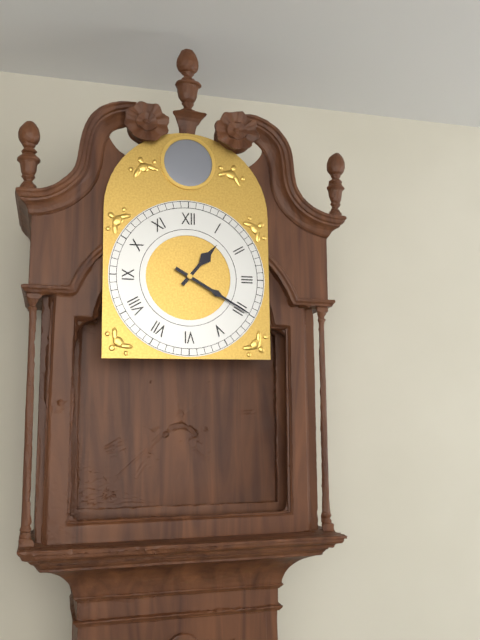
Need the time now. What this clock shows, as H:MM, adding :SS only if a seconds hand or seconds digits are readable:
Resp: 1:20
